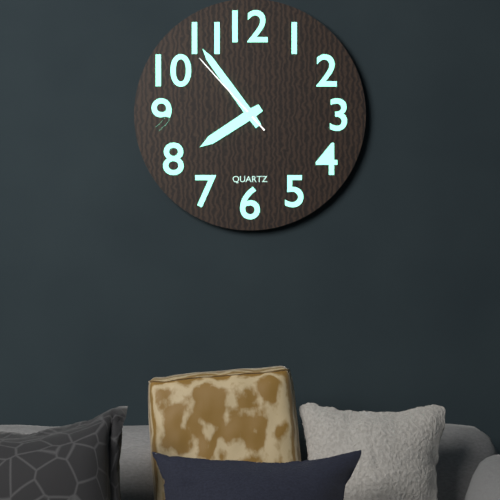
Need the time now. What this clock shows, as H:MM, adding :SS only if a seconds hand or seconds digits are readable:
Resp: 7:54:53
